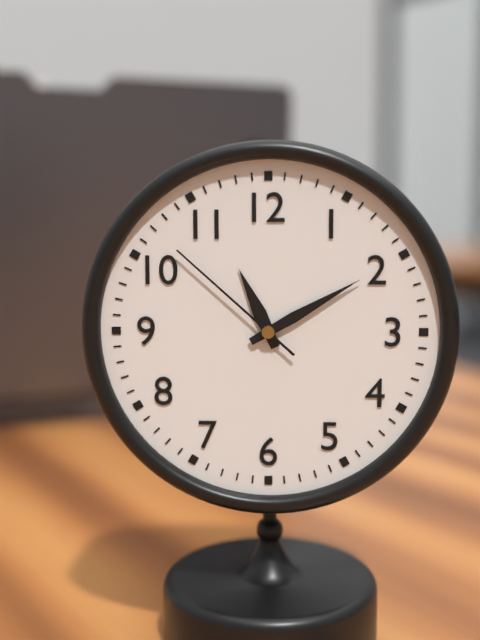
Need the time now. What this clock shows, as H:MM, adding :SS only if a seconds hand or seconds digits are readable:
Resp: 11:10:52
